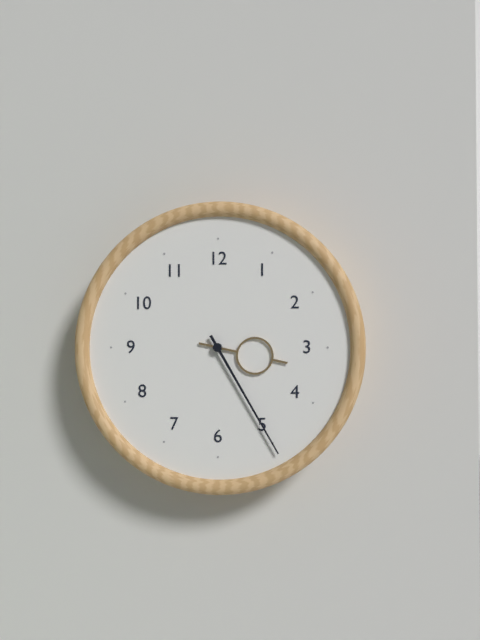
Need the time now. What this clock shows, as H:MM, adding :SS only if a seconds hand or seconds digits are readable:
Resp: 3:25
